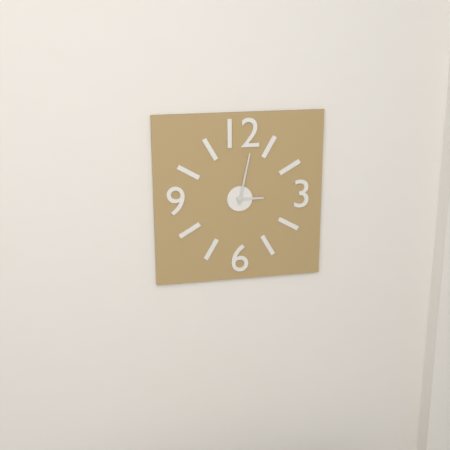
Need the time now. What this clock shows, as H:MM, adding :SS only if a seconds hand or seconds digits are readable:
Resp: 3:02
